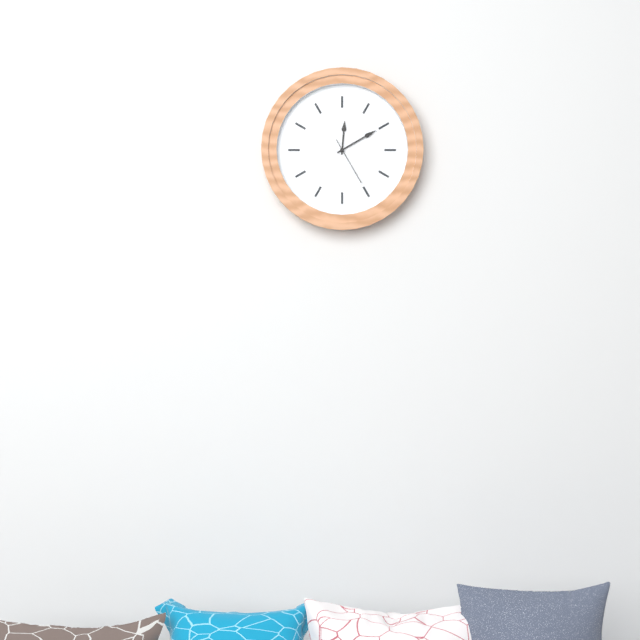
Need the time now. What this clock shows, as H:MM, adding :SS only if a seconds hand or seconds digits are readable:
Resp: 12:10
